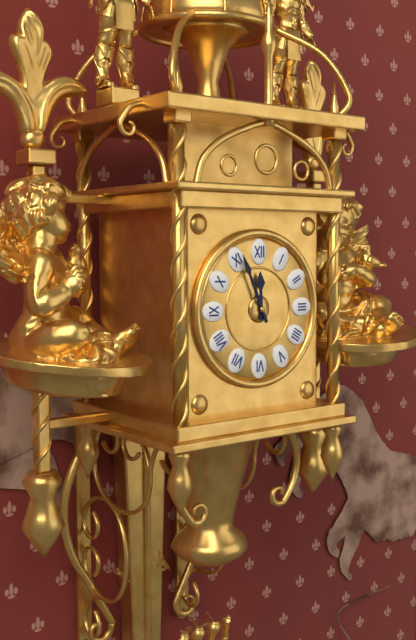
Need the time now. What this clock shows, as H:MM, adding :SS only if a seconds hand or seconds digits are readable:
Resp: 11:56
